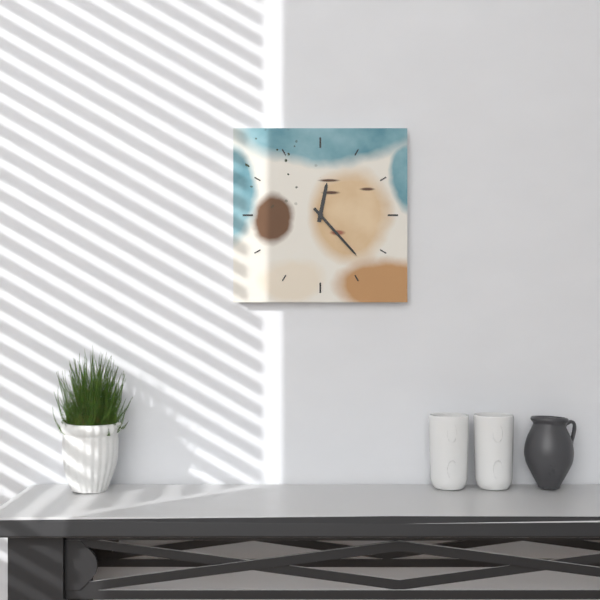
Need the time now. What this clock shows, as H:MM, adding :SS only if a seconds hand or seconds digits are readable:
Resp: 12:23
